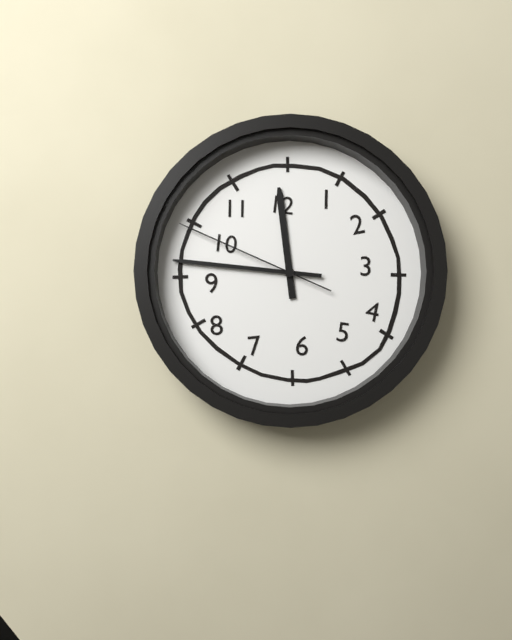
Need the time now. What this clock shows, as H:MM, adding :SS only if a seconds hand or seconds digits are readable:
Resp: 11:46:49
